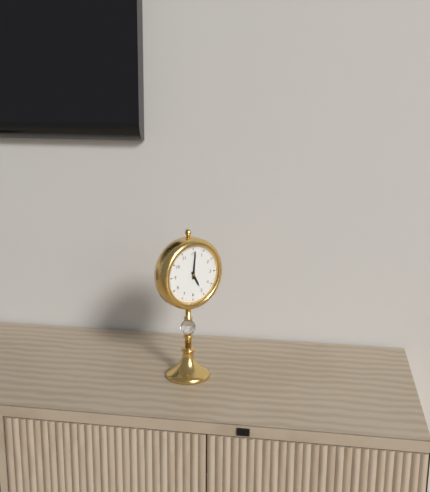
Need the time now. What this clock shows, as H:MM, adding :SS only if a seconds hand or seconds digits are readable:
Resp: 5:01
